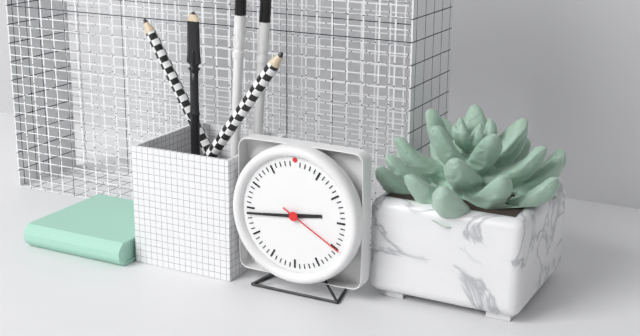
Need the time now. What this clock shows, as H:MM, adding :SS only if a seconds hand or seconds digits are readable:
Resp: 2:44:20
